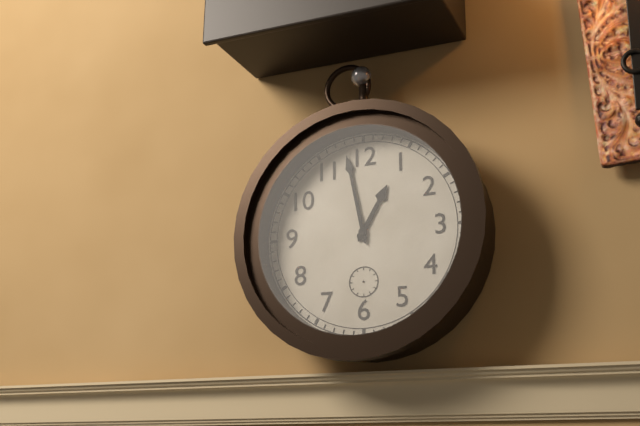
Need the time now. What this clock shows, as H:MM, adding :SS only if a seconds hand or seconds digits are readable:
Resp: 12:58
